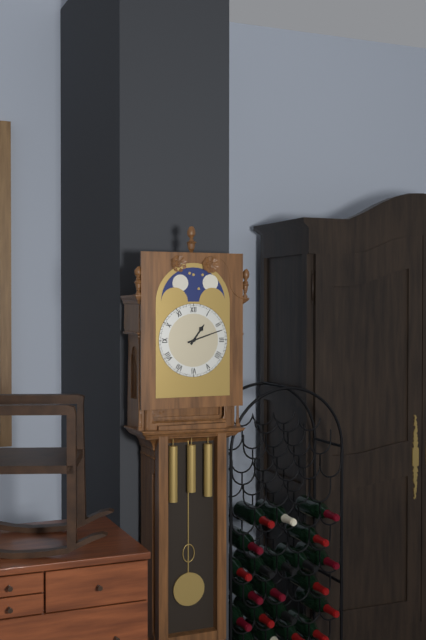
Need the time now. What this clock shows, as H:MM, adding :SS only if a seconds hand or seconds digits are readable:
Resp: 1:12
